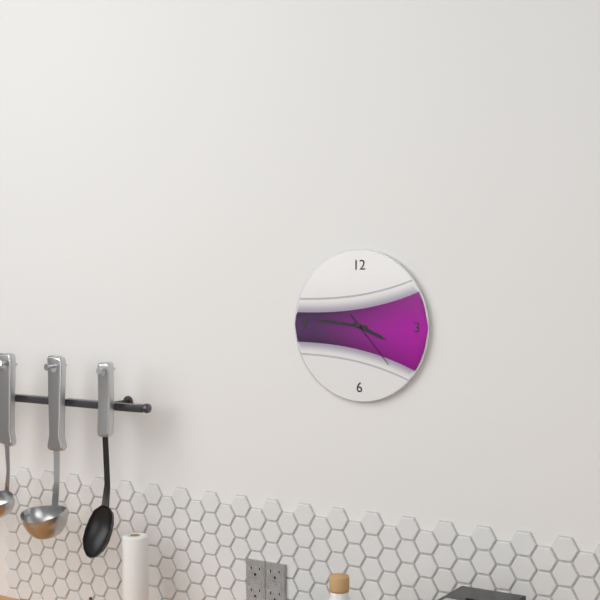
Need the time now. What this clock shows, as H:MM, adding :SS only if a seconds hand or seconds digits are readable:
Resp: 3:46:23
